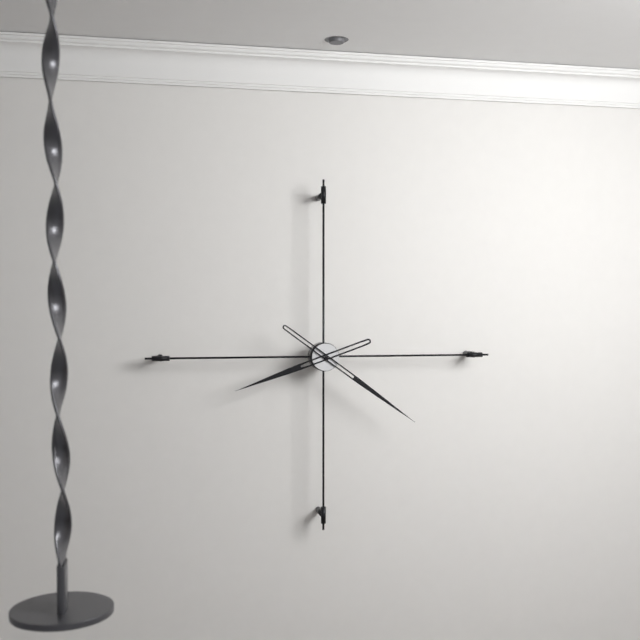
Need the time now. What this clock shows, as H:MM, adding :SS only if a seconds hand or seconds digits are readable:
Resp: 8:21
